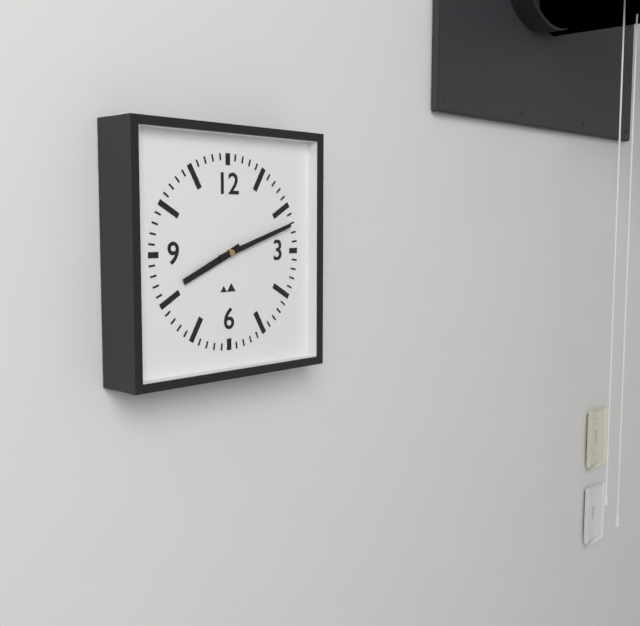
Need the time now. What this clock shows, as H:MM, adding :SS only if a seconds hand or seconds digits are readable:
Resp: 8:12
